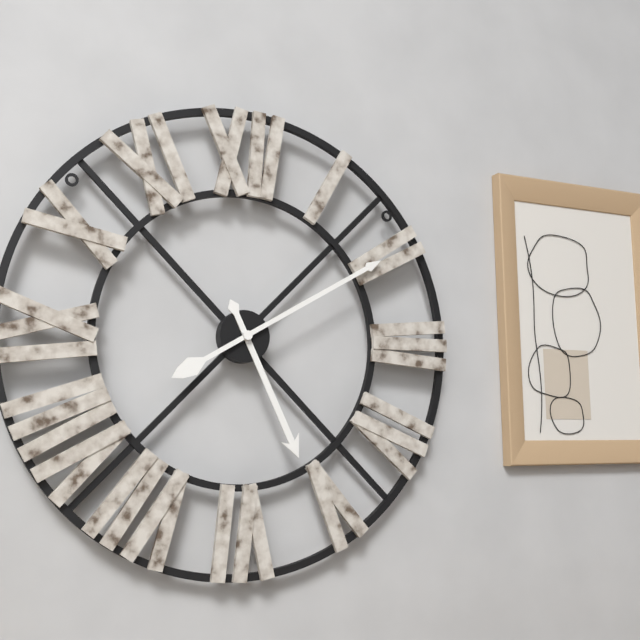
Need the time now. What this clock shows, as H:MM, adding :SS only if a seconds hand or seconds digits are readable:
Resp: 5:10
